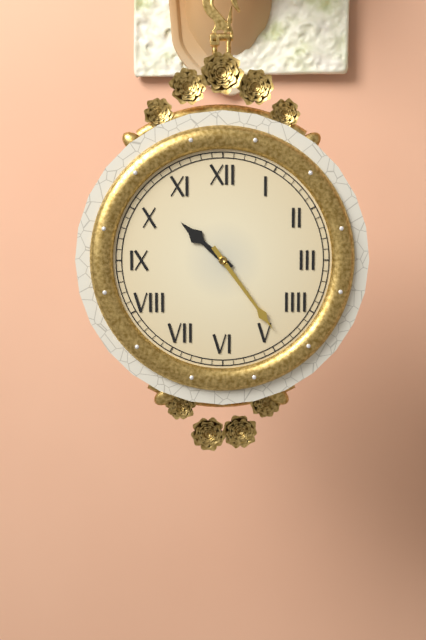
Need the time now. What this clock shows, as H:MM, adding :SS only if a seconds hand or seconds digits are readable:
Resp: 10:24
